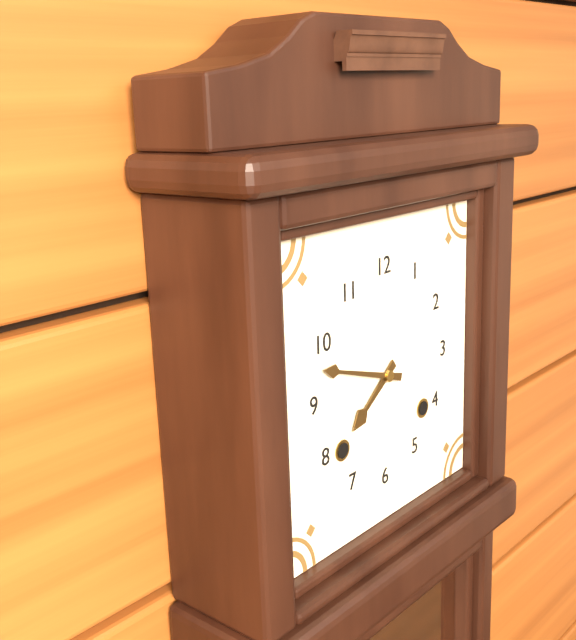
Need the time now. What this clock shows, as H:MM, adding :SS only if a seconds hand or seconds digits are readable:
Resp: 7:48
